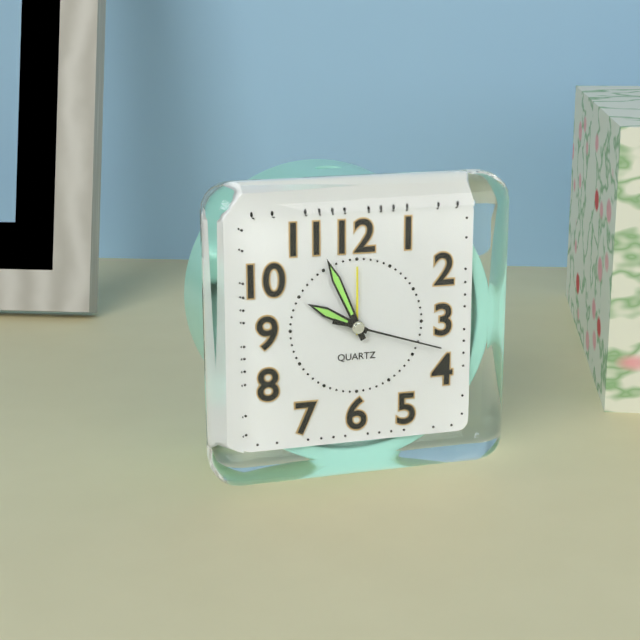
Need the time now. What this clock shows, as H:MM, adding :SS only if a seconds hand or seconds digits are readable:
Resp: 9:56:18
